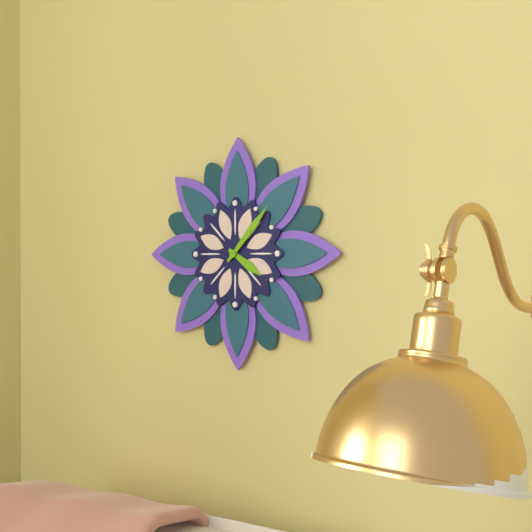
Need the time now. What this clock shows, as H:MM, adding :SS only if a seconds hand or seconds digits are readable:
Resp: 4:07
